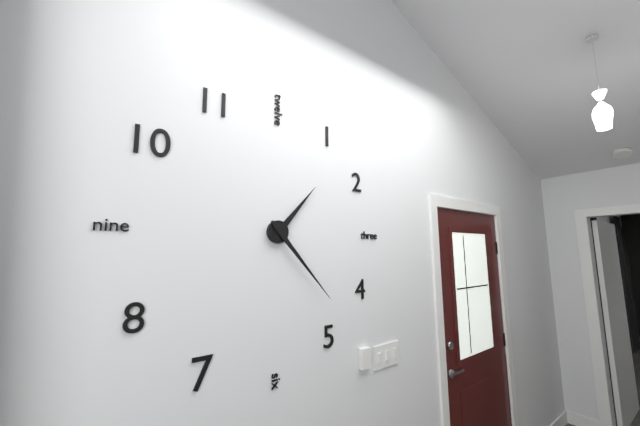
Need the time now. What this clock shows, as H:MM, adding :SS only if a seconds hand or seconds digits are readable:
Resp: 1:23
